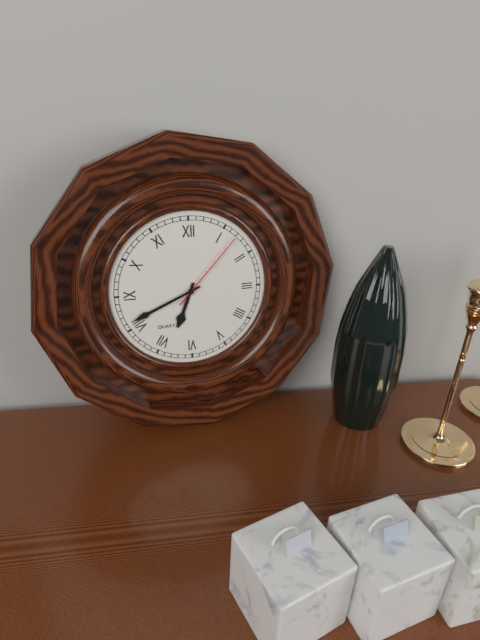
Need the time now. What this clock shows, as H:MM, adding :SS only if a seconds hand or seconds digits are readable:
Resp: 6:41:07
